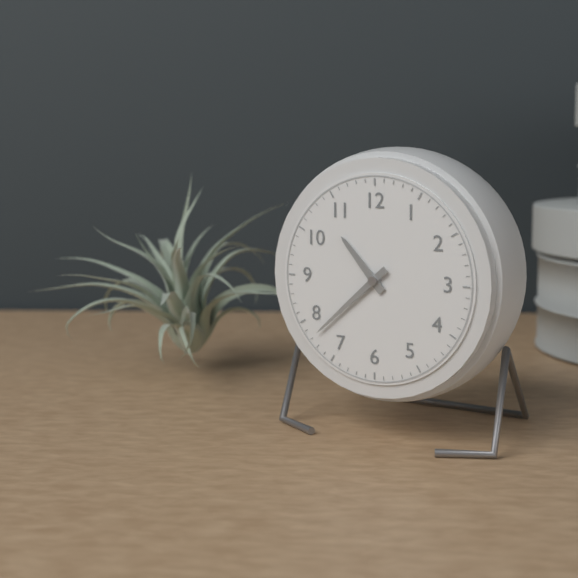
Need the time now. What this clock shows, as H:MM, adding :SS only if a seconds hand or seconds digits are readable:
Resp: 10:38
